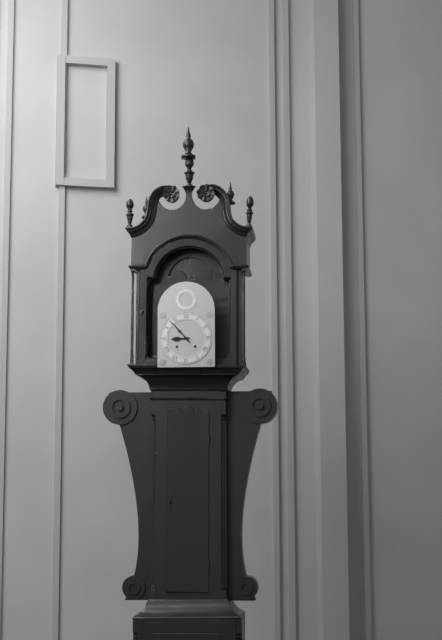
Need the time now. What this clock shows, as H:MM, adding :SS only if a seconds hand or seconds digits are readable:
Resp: 8:53
